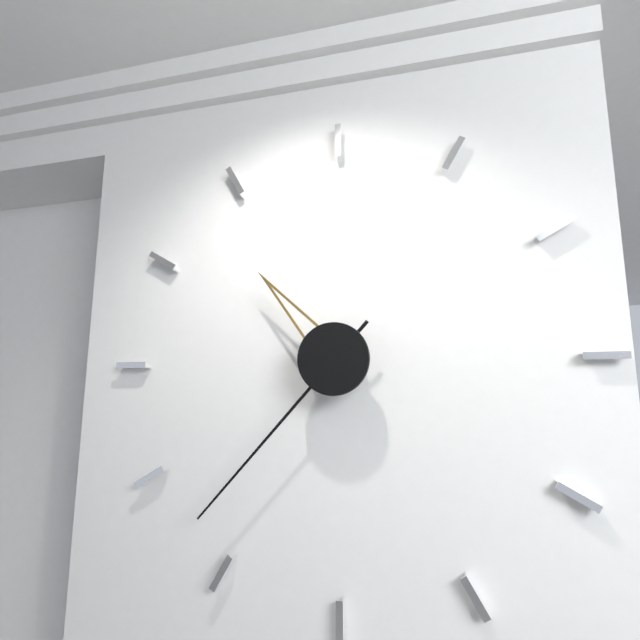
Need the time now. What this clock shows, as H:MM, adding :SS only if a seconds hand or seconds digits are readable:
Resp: 10:37
